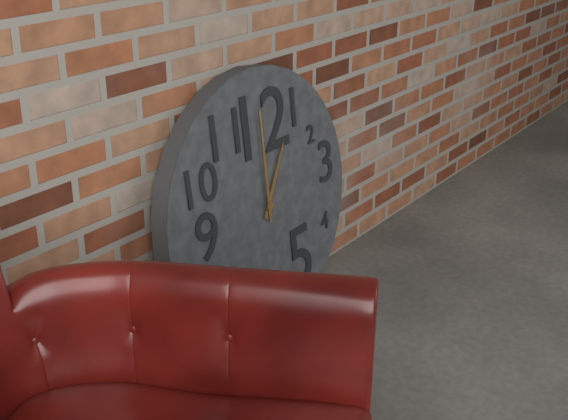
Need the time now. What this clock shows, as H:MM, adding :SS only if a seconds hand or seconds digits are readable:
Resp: 1:00
